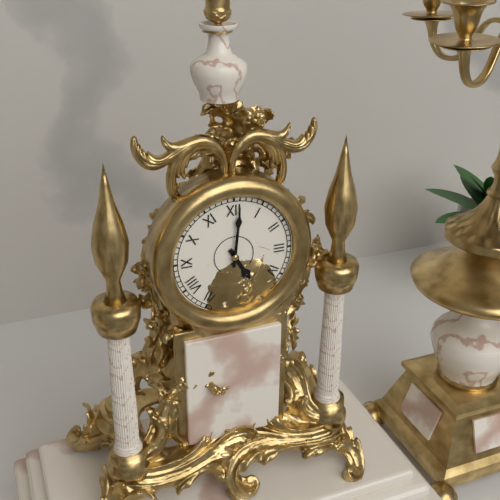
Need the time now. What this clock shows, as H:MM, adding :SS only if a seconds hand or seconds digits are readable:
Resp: 5:01
